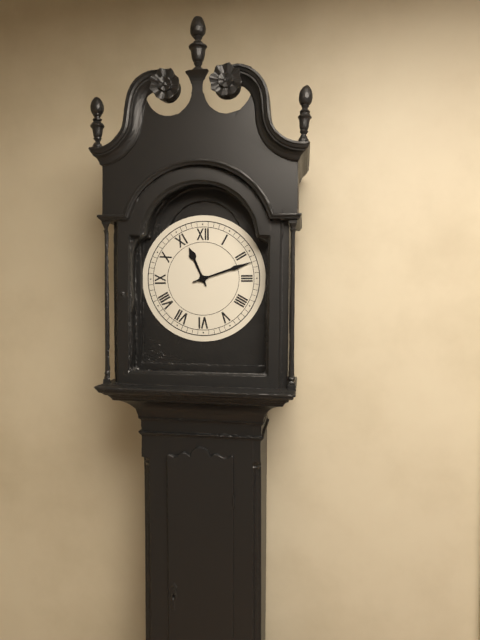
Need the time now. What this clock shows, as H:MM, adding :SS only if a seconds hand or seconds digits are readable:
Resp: 11:12
